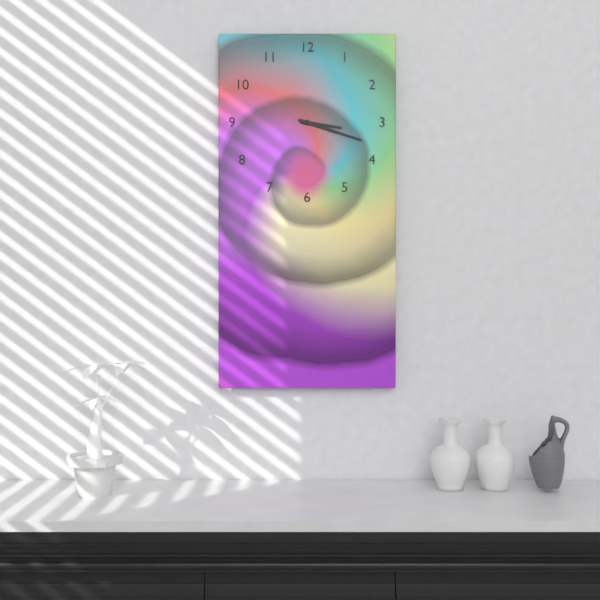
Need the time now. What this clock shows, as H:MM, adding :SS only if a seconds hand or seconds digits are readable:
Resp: 3:18
